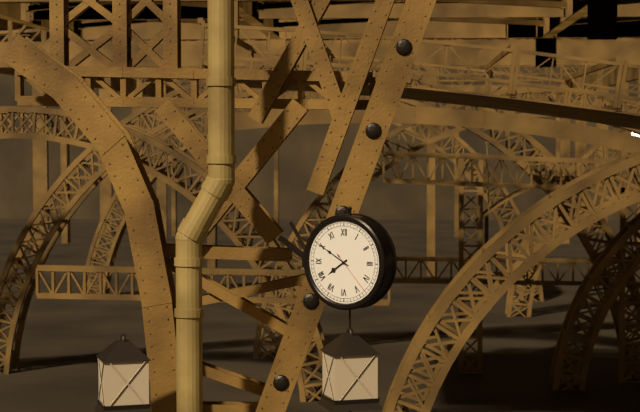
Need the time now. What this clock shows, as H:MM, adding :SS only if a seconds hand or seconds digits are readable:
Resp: 7:50
